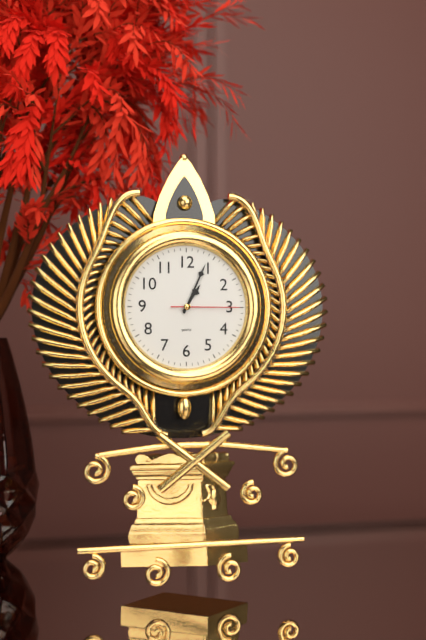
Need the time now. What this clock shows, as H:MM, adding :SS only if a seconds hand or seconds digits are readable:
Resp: 1:04:15
